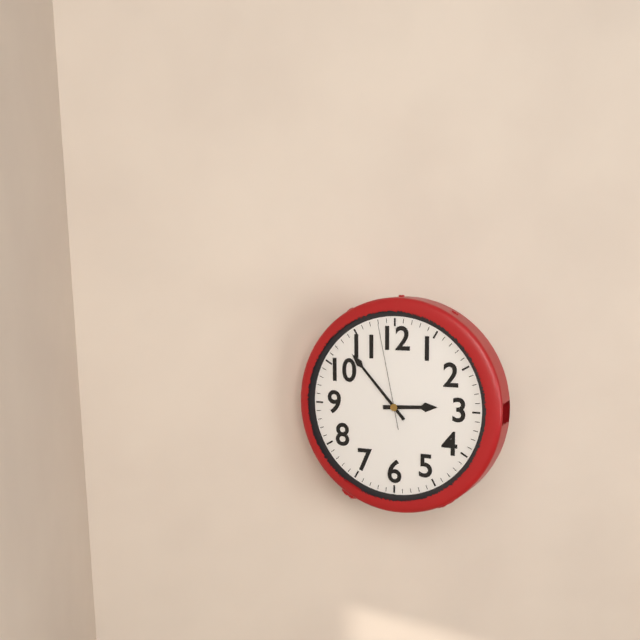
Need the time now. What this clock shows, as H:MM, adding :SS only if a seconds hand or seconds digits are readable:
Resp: 2:53:58
